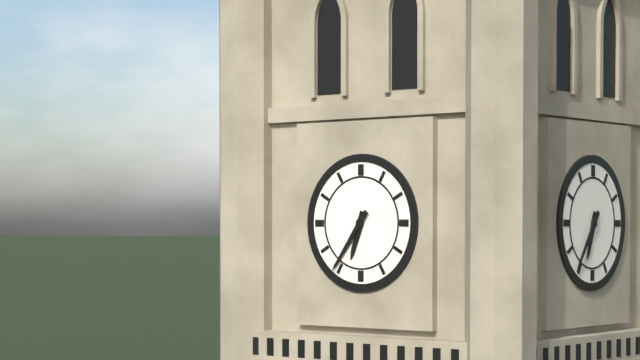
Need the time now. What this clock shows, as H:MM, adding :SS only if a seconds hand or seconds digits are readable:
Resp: 6:36
